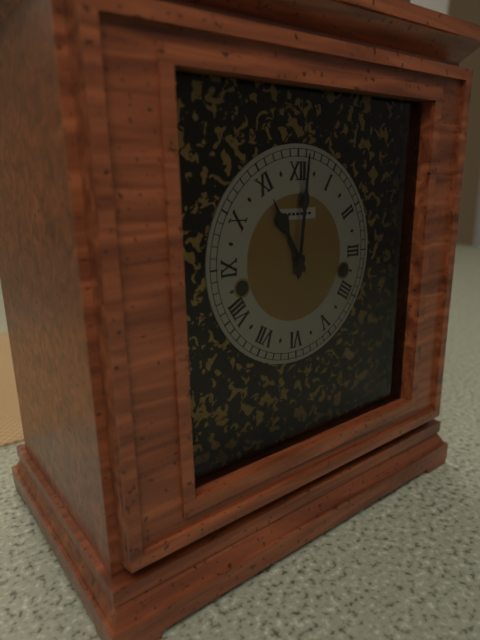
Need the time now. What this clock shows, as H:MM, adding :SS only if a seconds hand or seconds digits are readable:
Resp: 11:01
